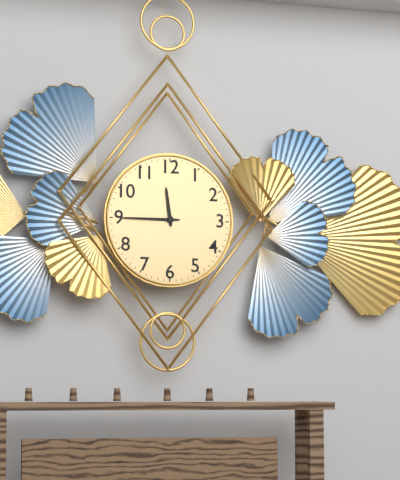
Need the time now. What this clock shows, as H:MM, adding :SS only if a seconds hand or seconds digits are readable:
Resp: 11:45
